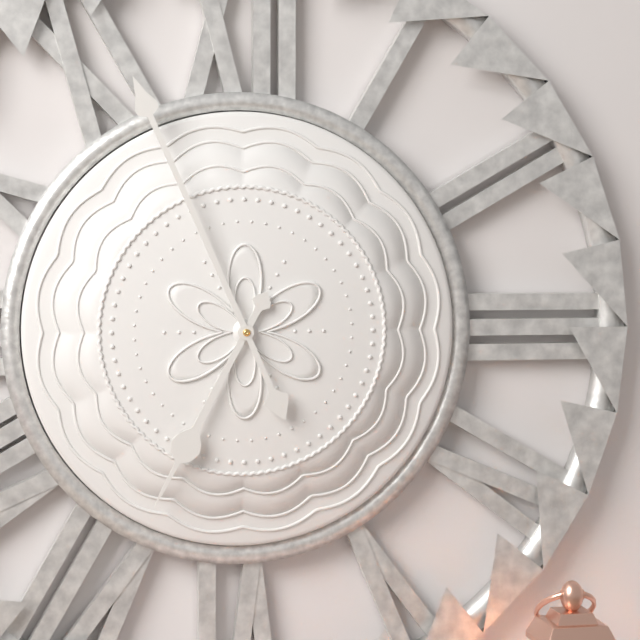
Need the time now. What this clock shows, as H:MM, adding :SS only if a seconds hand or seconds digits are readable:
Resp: 6:56
